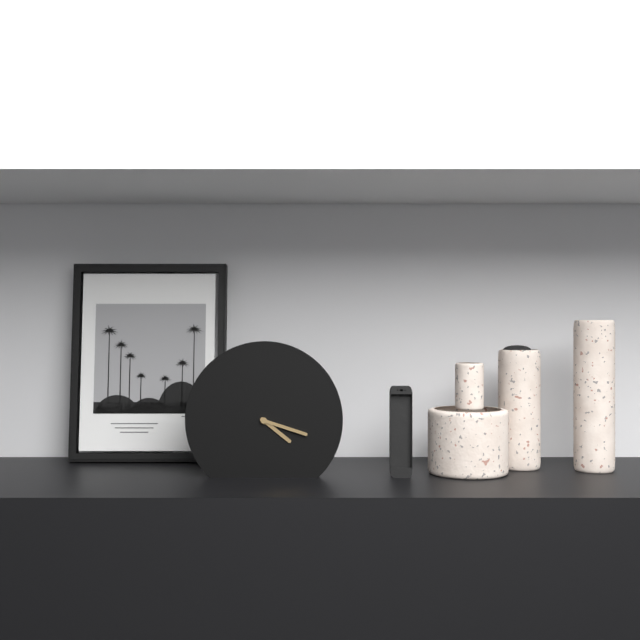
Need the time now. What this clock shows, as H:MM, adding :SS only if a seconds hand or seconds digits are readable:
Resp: 4:18
